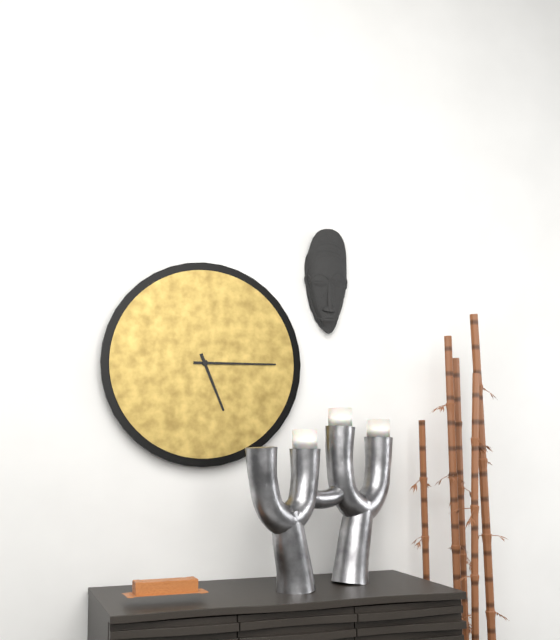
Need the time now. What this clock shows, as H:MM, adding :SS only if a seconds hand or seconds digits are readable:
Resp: 5:15
